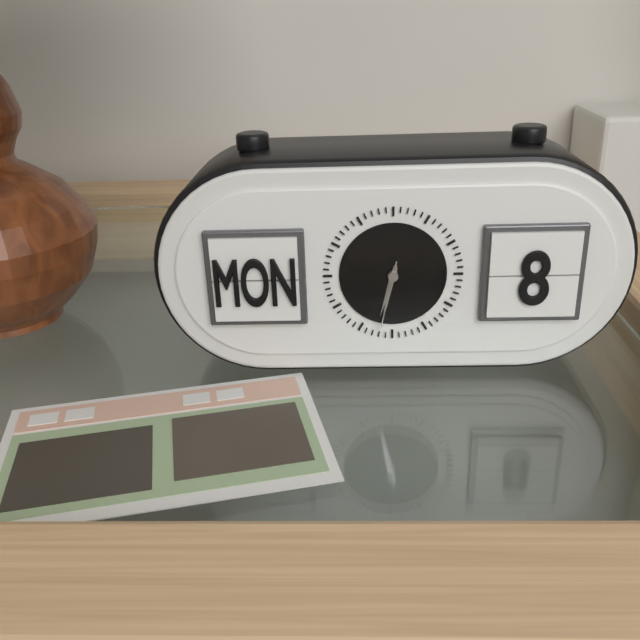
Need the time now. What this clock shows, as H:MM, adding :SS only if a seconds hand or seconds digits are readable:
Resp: 6:32:32
